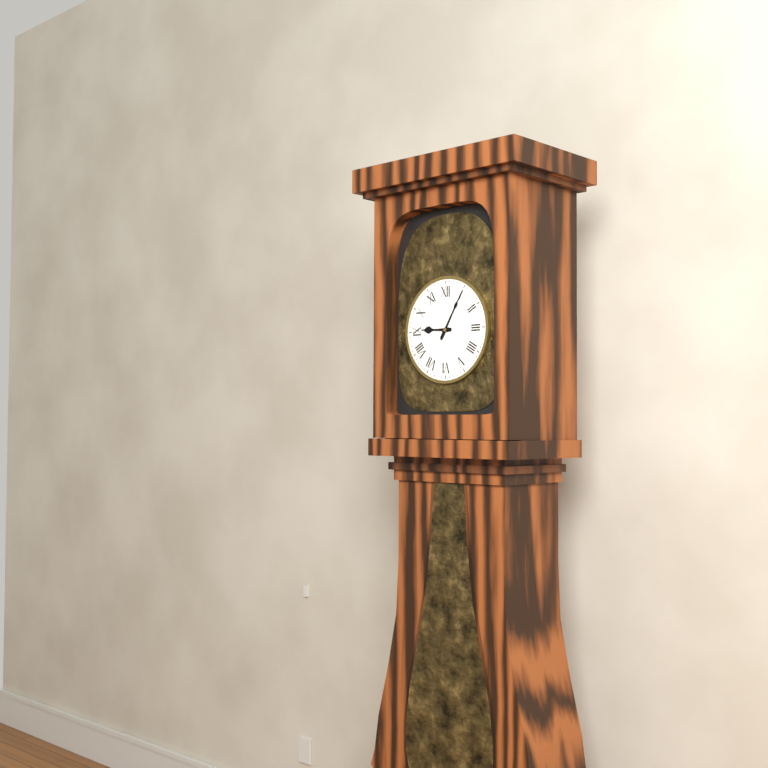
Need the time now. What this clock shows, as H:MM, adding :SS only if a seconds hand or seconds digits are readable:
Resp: 9:05
